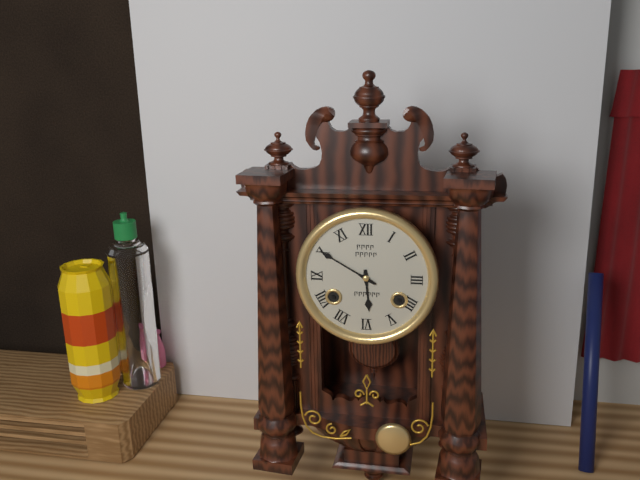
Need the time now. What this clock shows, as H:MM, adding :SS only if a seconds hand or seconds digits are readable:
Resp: 5:50
